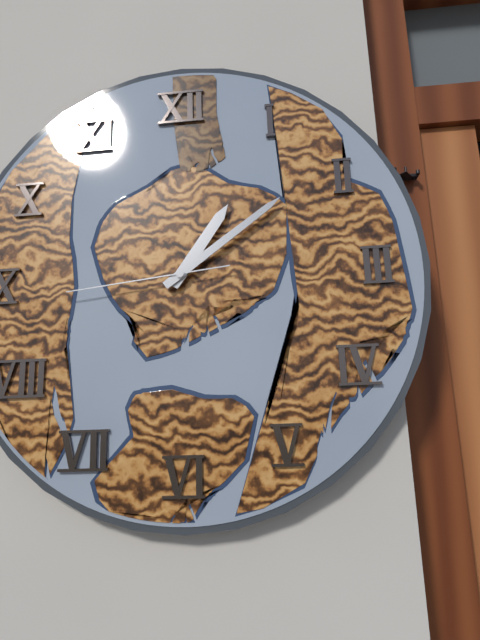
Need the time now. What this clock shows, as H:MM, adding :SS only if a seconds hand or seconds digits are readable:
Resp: 1:09:44
